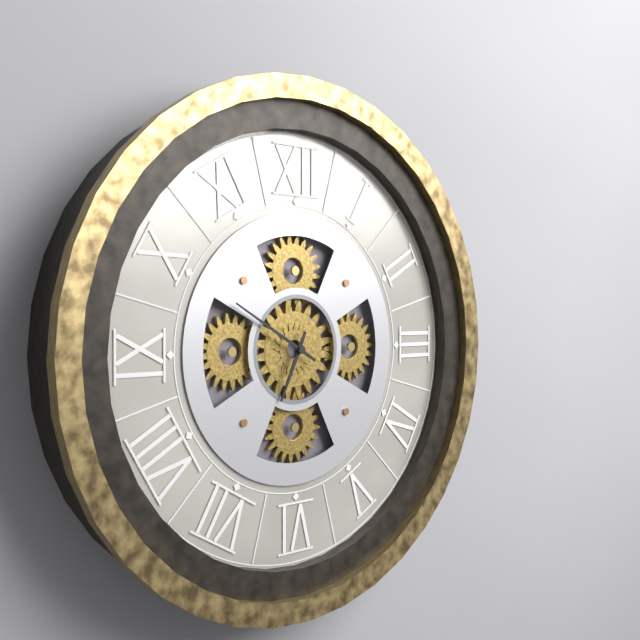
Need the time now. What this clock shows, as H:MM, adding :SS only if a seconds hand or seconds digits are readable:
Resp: 6:50
